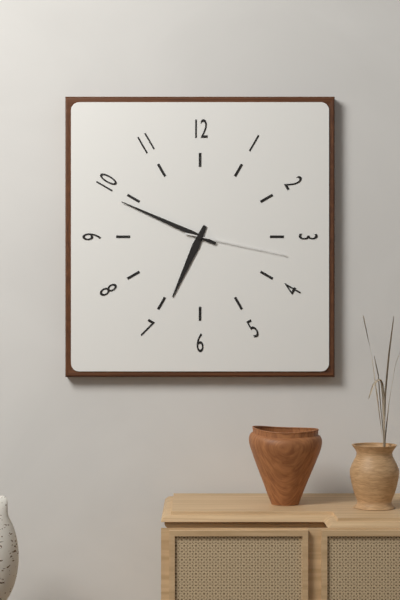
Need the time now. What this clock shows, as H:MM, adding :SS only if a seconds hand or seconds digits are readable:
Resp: 6:49:17
